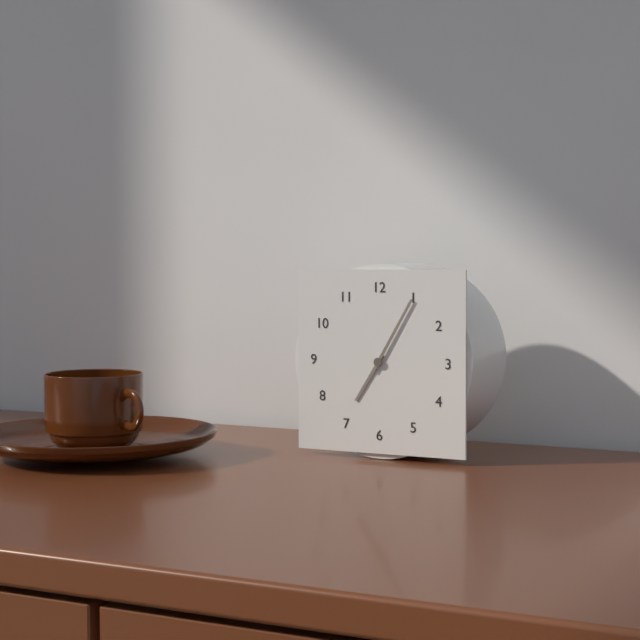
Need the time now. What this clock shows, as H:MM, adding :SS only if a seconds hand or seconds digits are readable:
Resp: 7:05
